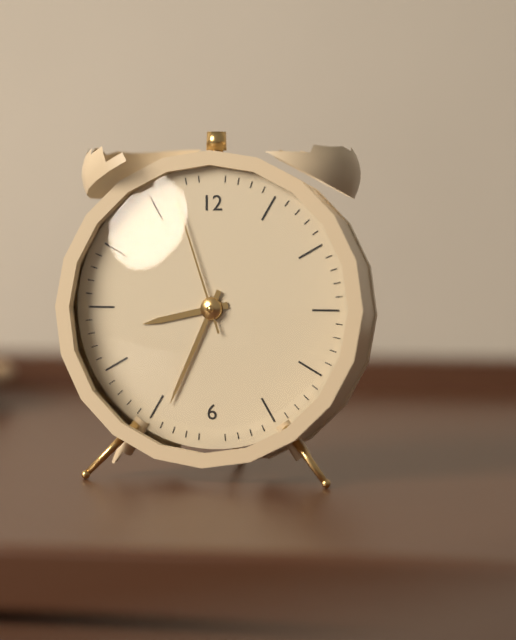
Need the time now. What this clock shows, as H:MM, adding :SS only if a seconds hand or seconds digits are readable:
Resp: 8:34:57
